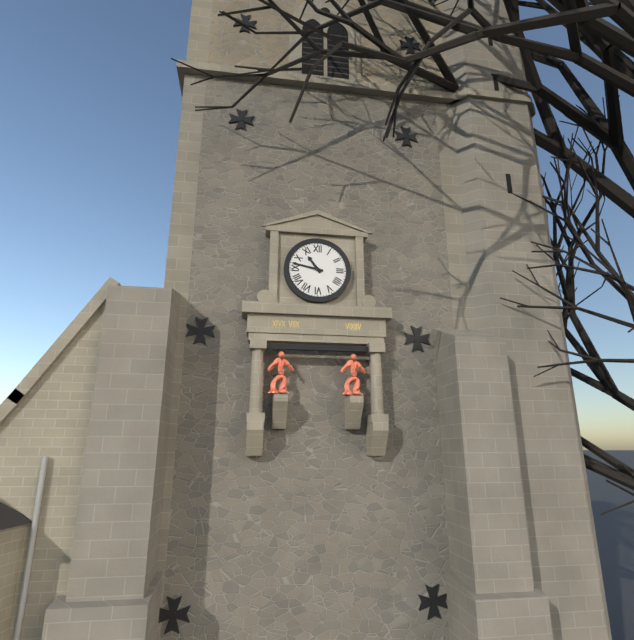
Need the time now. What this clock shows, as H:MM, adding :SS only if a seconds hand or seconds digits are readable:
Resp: 10:47
